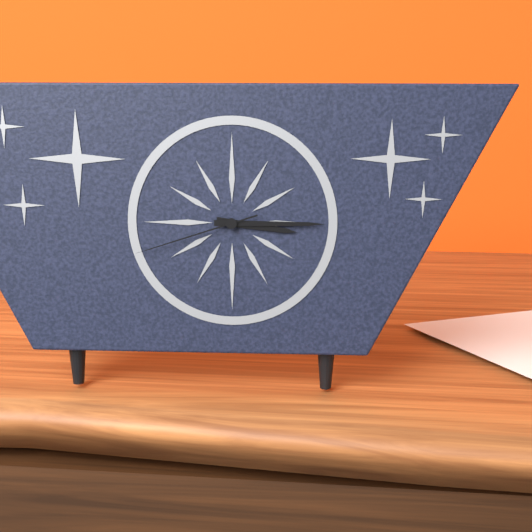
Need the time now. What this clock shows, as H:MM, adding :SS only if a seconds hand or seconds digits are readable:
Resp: 3:15:42
